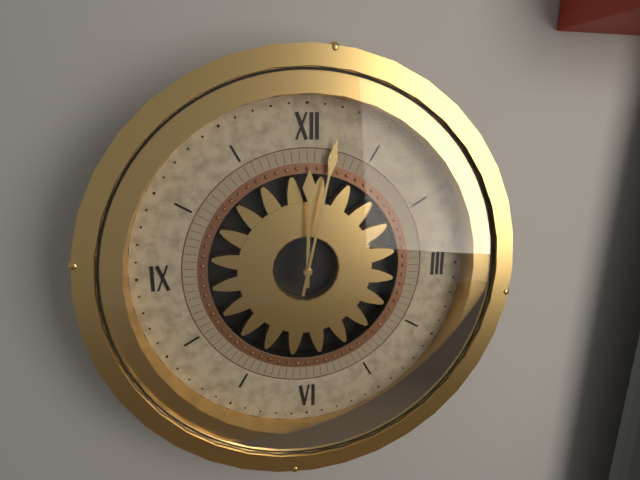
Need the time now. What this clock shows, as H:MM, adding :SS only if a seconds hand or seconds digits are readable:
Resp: 12:02
